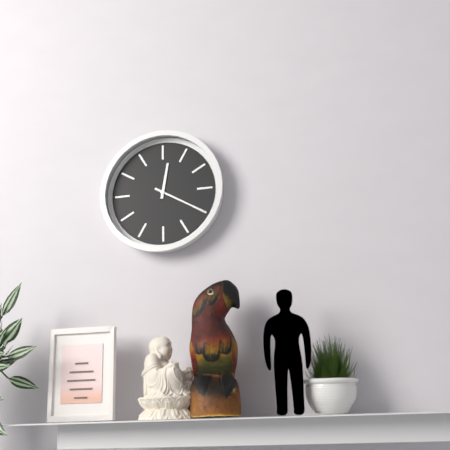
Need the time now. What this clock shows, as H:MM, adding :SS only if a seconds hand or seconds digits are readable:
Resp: 12:20
